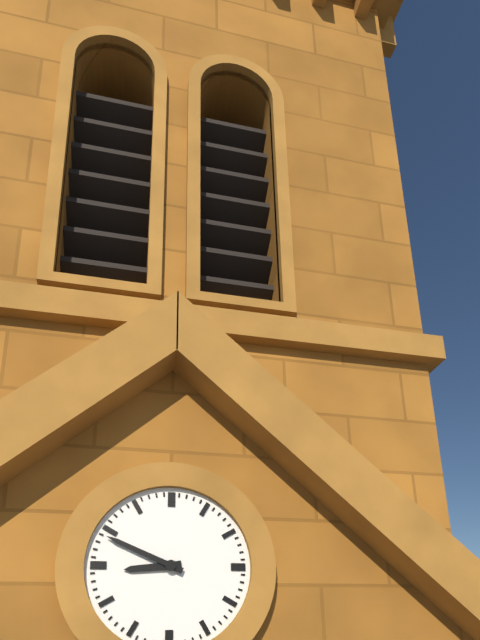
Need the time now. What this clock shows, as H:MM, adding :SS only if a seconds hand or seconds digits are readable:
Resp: 8:49
